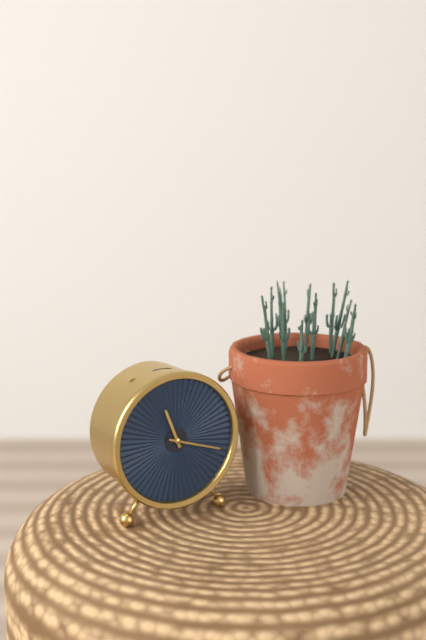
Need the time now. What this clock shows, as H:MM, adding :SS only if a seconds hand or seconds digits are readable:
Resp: 11:18
